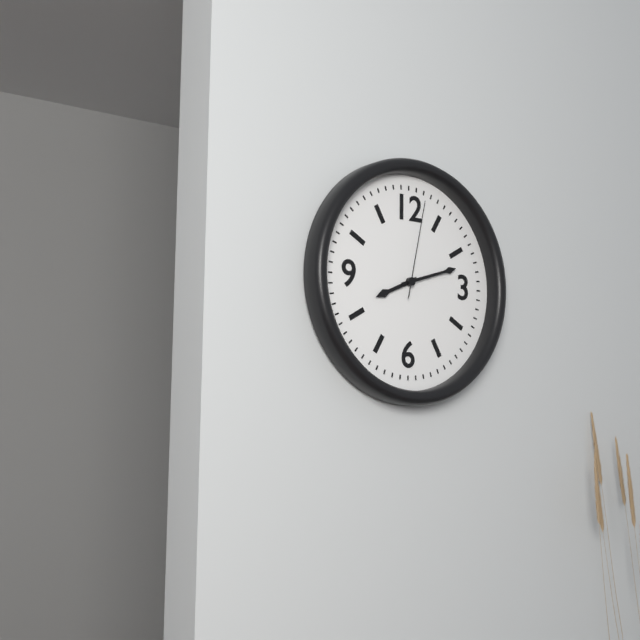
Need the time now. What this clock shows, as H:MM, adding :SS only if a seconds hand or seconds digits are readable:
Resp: 8:12:02
